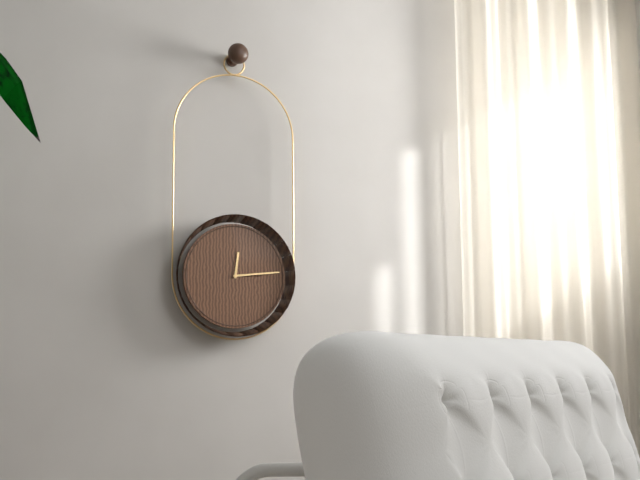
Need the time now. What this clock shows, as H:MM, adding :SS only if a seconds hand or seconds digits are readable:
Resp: 12:14
